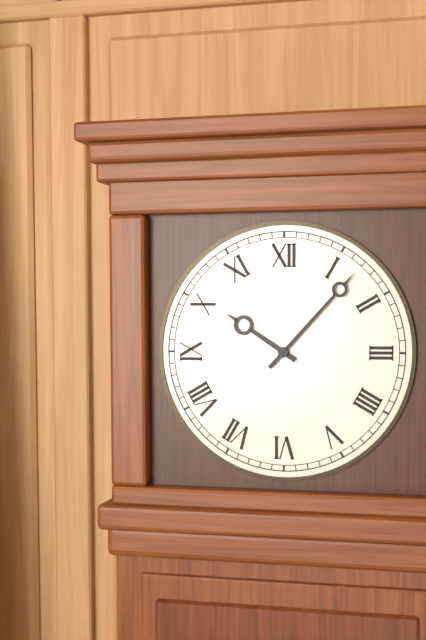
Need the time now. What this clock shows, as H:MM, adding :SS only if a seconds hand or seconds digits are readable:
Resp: 10:07
